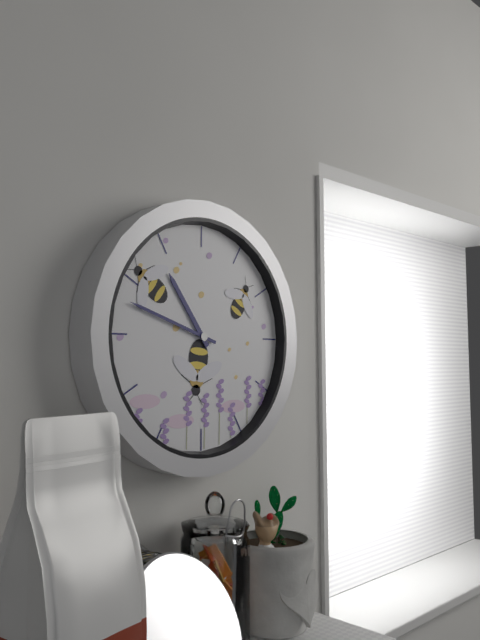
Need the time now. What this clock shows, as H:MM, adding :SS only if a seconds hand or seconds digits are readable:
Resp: 10:48
